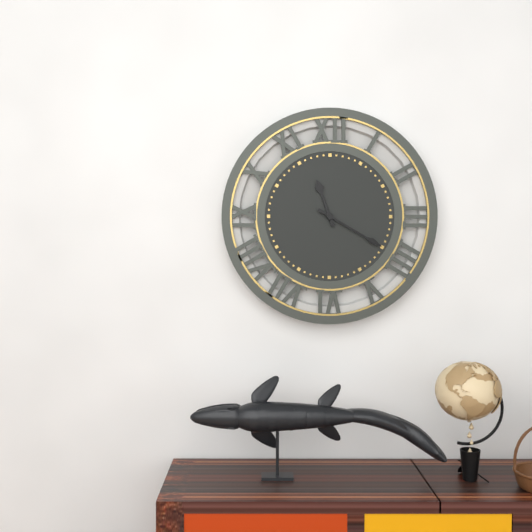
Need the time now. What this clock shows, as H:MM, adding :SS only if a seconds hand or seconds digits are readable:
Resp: 11:20
